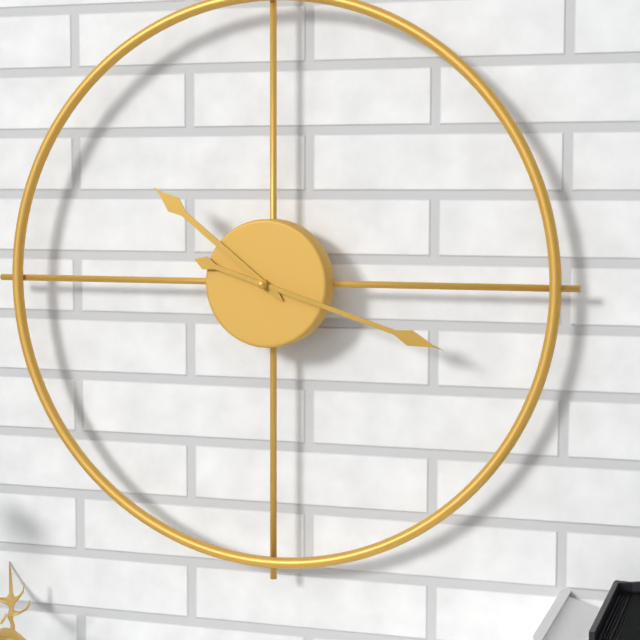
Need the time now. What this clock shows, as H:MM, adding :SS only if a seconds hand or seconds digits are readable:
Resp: 10:18
